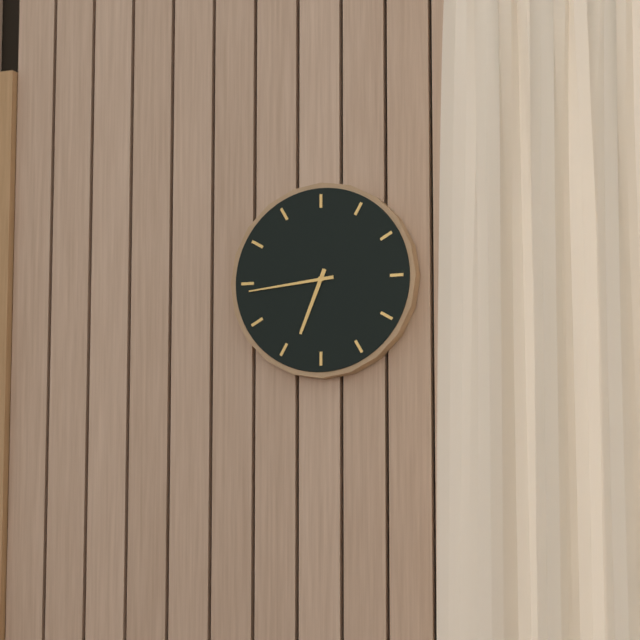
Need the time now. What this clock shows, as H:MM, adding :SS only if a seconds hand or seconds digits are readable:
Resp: 6:44
